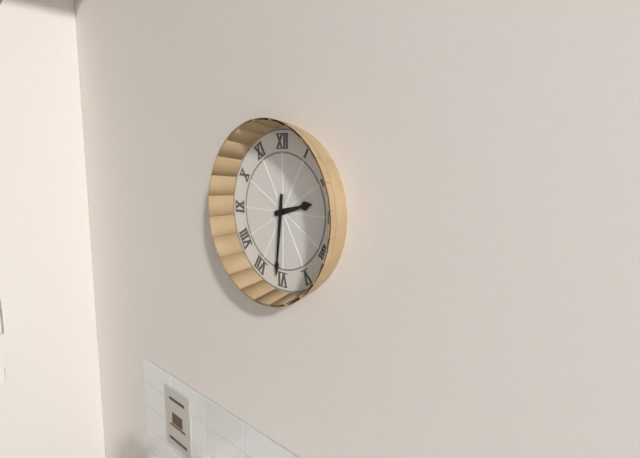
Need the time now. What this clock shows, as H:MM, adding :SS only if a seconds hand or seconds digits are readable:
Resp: 2:31
